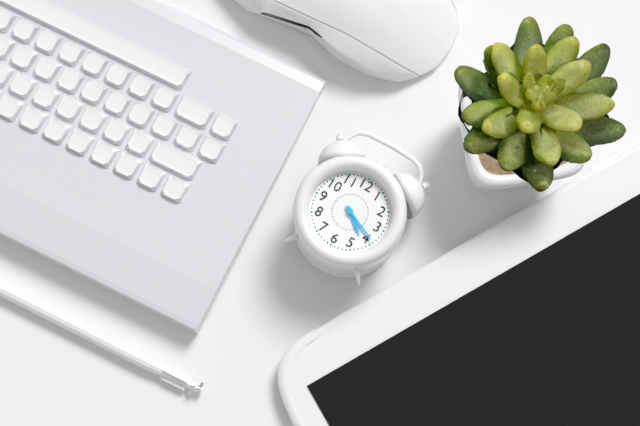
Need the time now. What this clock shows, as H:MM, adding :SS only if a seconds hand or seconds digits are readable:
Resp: 4:19
